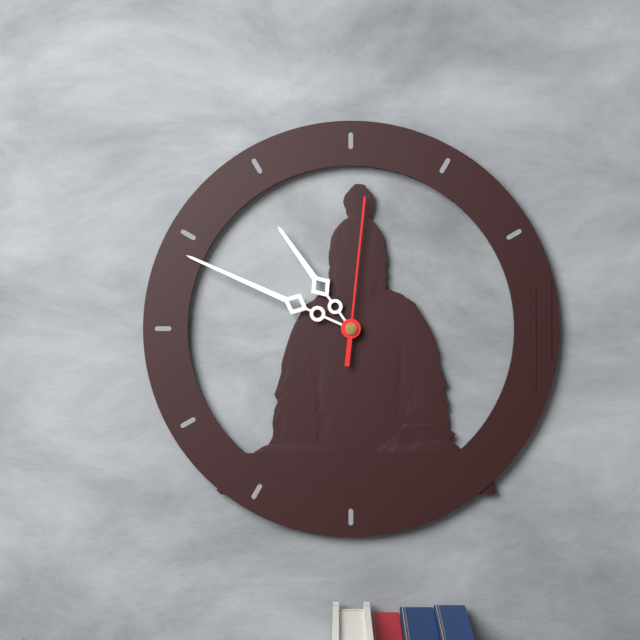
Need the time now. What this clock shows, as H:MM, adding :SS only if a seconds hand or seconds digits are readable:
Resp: 10:49:01
